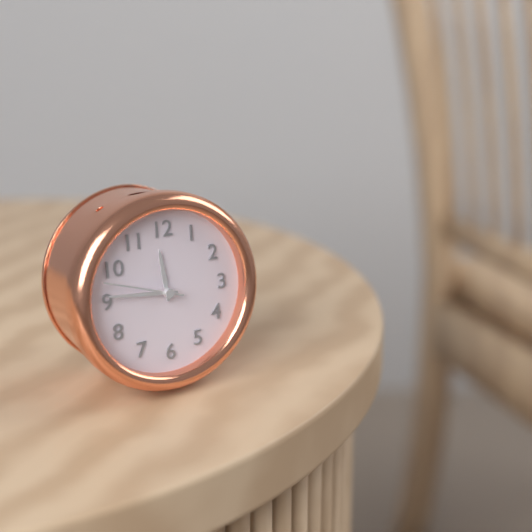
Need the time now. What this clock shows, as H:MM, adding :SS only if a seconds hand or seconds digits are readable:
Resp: 11:46:48
